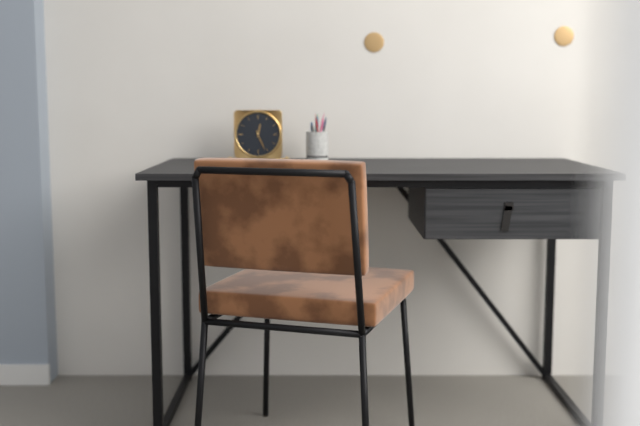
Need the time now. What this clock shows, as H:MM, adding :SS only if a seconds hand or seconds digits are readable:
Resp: 12:26
